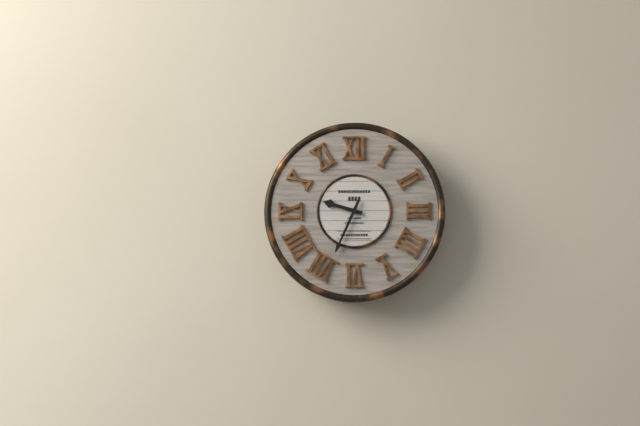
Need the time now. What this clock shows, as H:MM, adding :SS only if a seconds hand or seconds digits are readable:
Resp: 9:34
